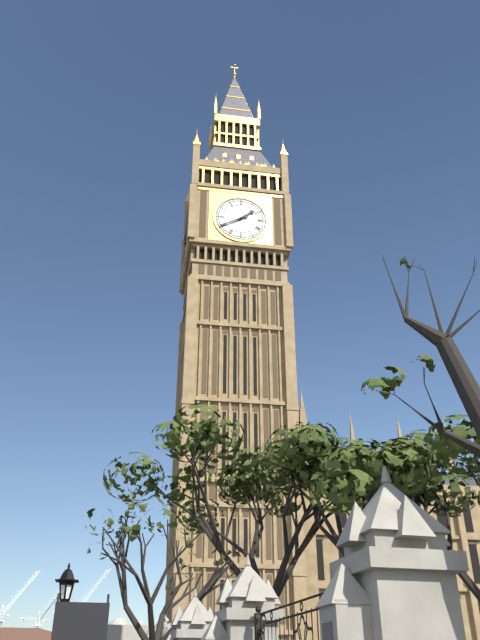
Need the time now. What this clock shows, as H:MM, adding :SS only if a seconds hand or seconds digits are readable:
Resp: 1:40
